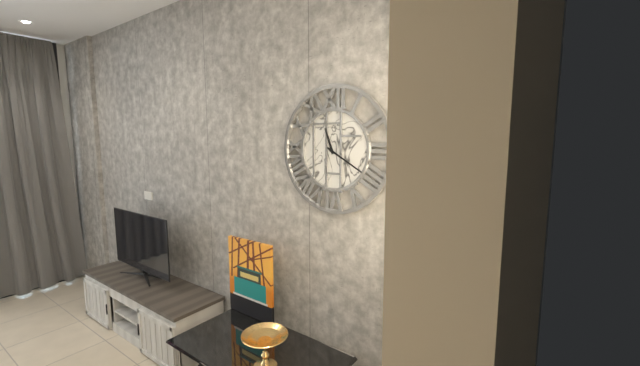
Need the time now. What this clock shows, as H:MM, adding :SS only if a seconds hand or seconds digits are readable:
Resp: 11:20
